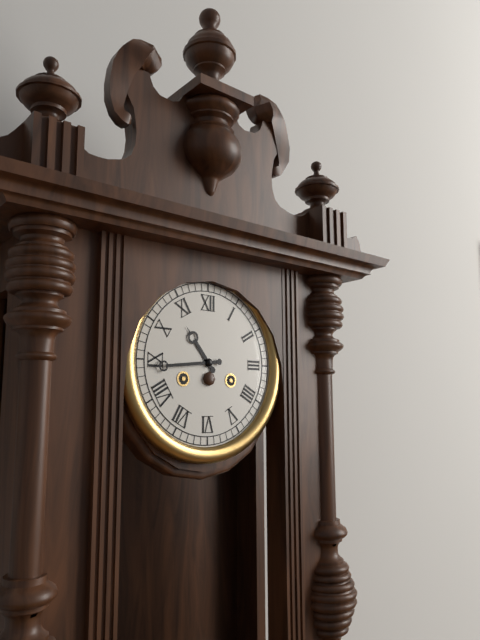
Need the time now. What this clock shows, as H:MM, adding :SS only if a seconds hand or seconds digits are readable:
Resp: 10:44
